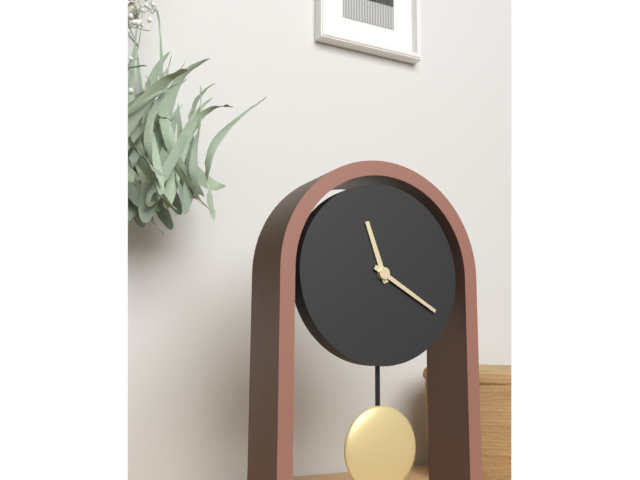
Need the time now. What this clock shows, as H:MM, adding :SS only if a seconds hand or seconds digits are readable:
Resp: 11:20
